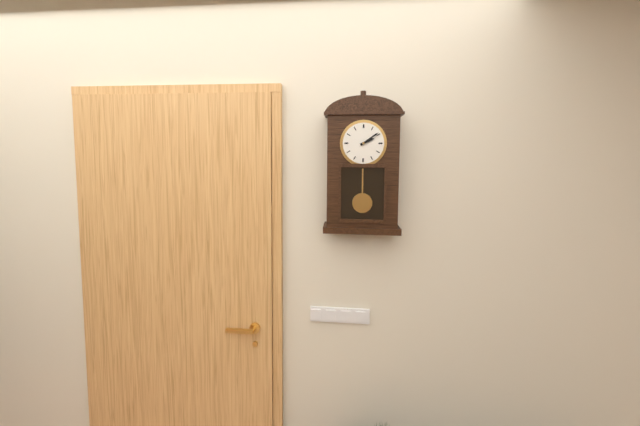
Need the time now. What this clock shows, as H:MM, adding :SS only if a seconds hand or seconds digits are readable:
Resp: 2:09
